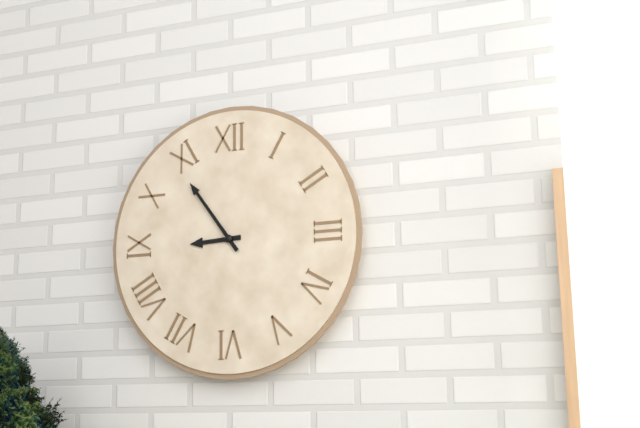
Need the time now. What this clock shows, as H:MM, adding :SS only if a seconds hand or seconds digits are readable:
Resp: 8:54
